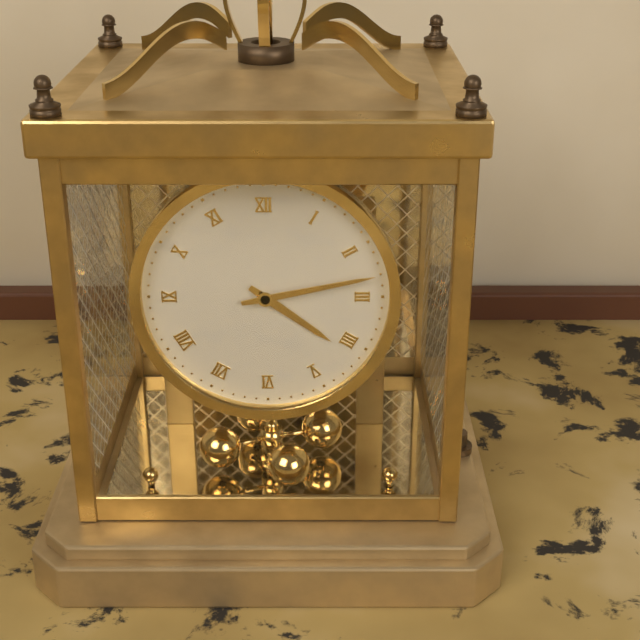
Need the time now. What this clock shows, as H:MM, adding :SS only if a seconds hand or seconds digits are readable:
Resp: 4:13
